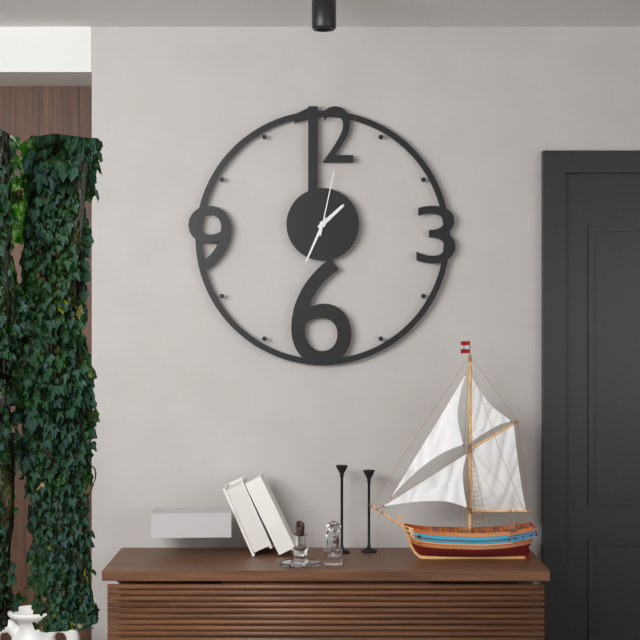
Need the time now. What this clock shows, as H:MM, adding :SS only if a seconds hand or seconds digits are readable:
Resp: 1:34:02
